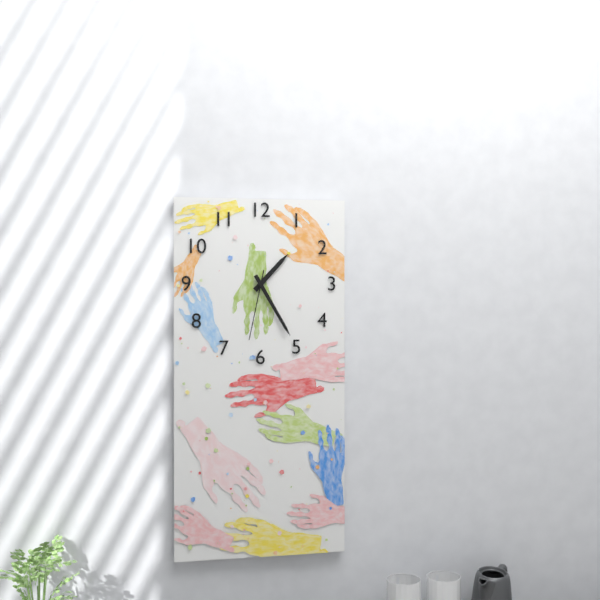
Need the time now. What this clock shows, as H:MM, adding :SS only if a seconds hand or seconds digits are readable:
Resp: 1:25:32
